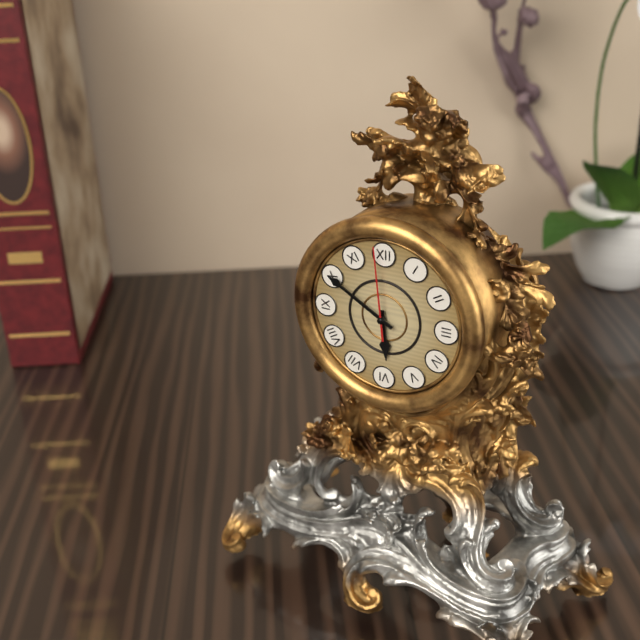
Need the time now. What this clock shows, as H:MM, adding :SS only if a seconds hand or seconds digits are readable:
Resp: 5:50:59
